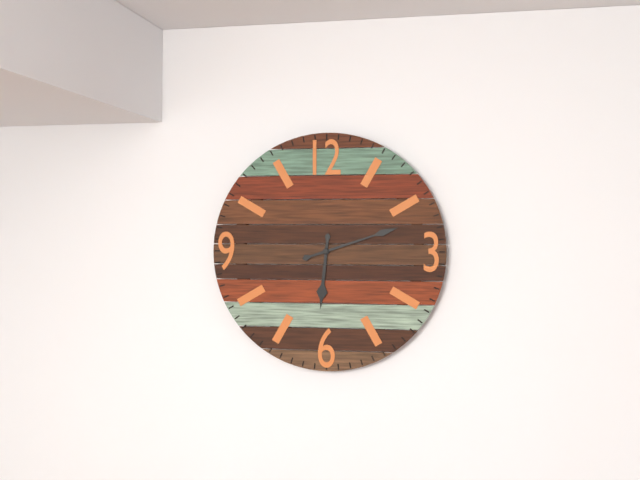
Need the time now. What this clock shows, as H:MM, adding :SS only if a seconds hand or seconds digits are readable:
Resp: 6:12
